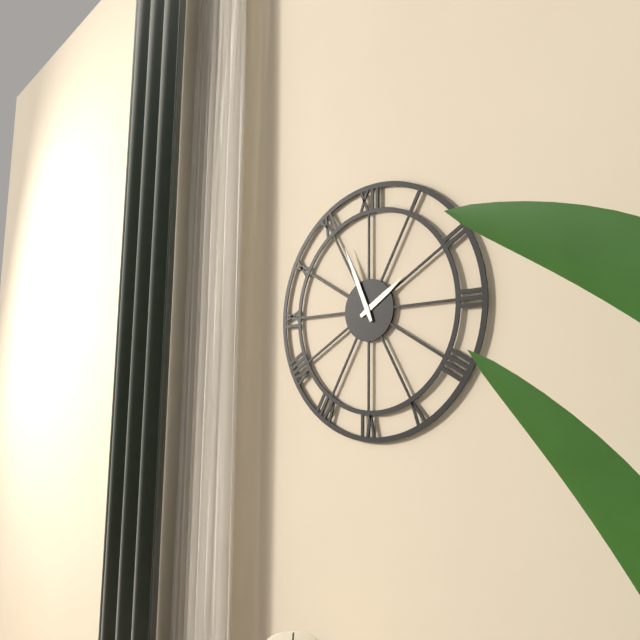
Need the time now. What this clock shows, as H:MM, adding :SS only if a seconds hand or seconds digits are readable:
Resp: 1:56
